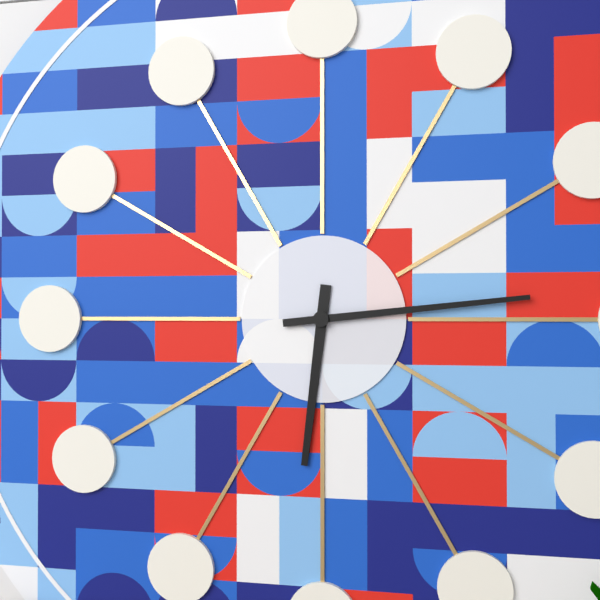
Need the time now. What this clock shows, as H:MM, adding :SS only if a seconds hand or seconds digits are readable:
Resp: 6:14
